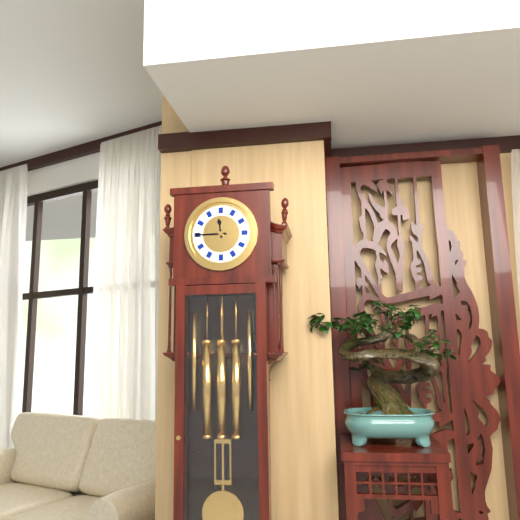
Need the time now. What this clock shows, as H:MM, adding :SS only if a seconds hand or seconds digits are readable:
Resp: 11:45
